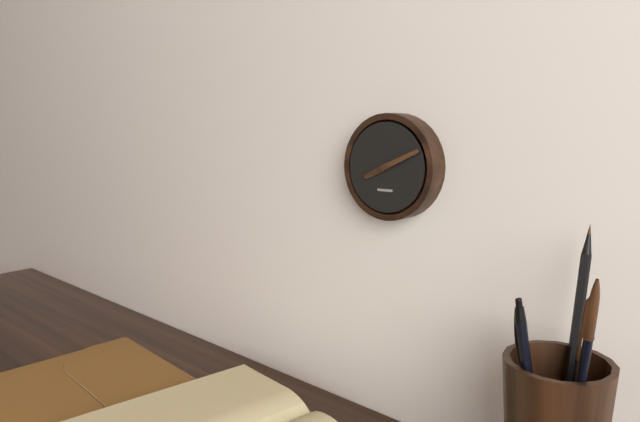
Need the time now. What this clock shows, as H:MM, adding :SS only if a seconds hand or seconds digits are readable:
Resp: 8:11
